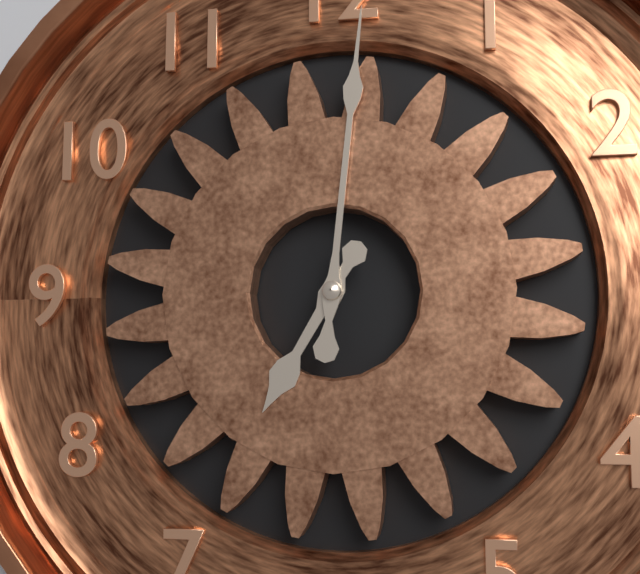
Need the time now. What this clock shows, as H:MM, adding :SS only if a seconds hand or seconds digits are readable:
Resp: 7:01
